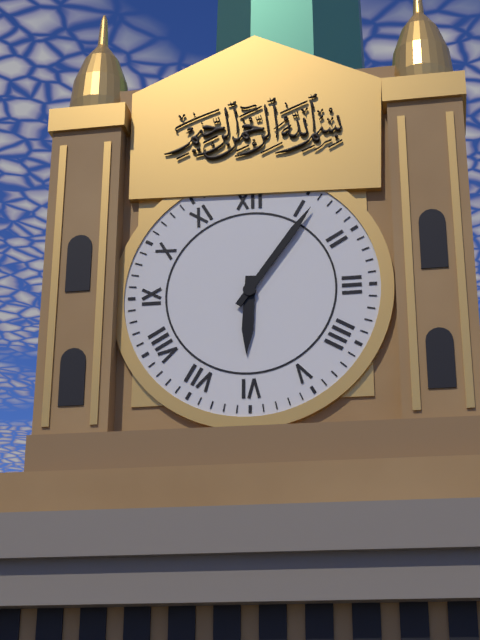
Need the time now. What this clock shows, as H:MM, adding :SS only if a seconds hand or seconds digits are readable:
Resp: 6:06
